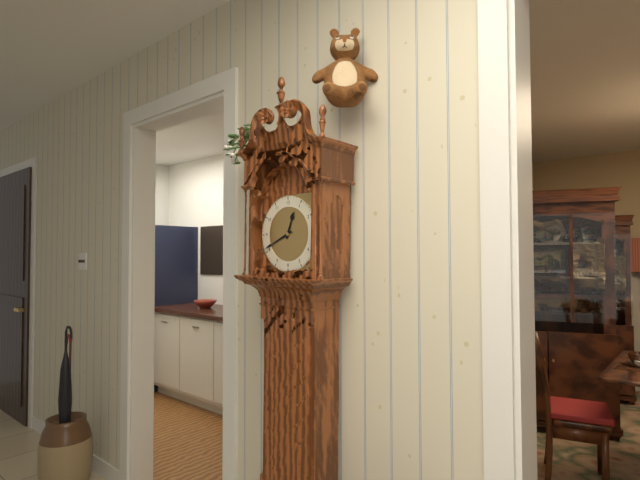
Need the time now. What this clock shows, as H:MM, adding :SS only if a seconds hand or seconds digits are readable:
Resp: 12:41
